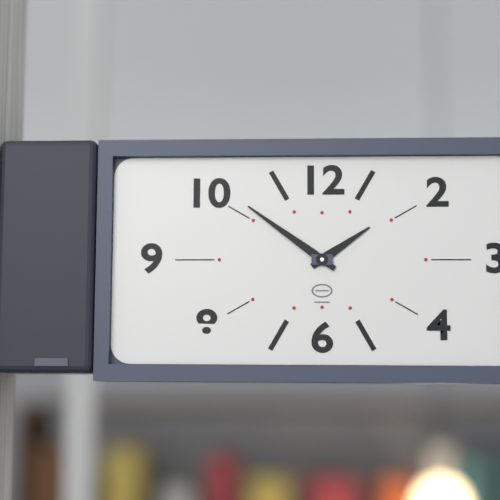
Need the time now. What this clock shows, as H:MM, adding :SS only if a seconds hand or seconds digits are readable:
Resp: 1:51
